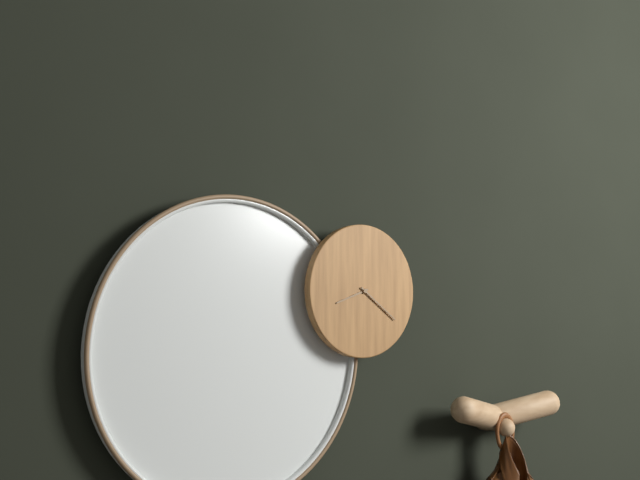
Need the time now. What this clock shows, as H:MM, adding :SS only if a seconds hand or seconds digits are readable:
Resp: 8:21
